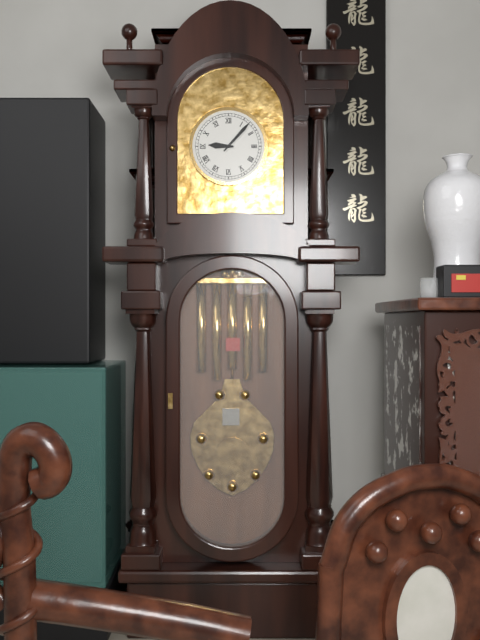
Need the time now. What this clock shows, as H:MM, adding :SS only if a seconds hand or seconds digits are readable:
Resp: 9:07
